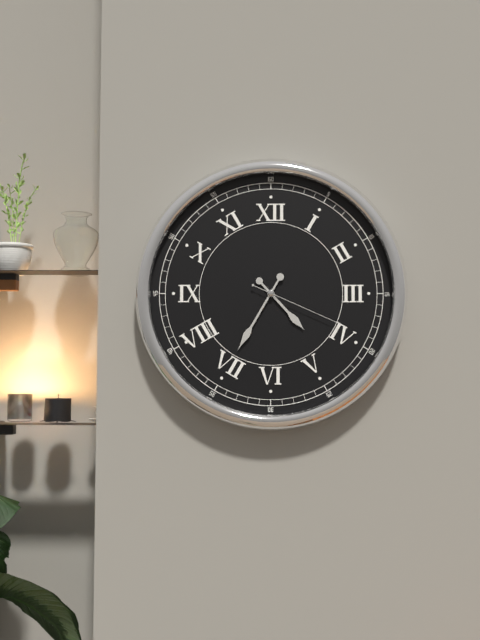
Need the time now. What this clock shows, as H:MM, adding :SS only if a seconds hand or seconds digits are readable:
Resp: 4:35:19
